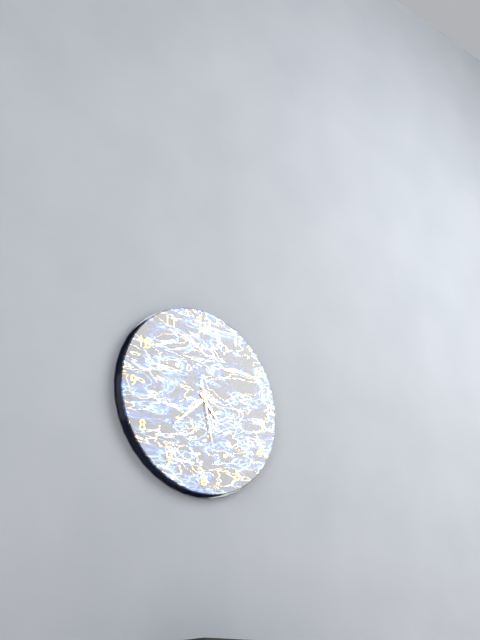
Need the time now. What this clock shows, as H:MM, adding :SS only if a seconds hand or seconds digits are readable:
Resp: 4:38:28
